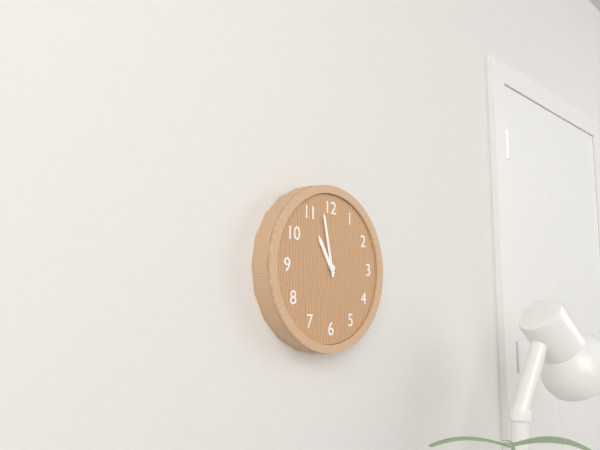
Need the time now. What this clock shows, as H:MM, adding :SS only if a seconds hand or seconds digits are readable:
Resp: 10:58
